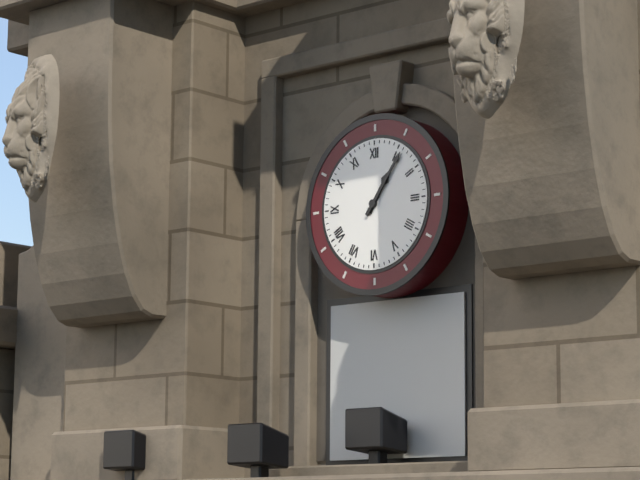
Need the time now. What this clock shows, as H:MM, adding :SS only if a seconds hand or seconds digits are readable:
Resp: 1:06
